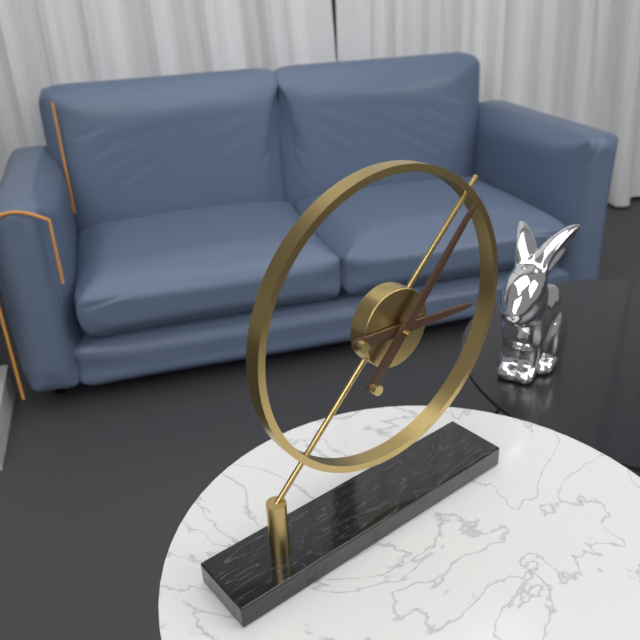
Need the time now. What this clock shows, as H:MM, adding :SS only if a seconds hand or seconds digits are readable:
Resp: 3:07
